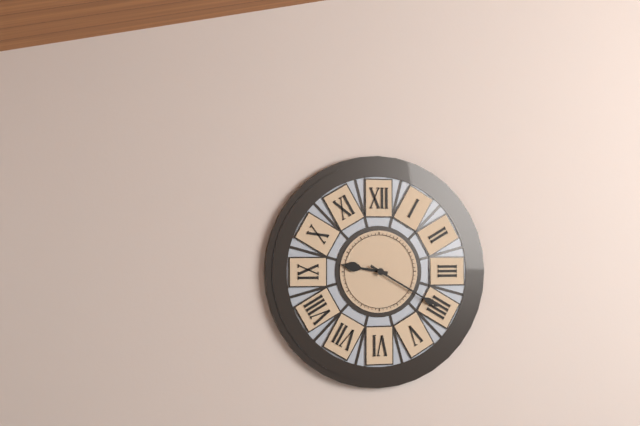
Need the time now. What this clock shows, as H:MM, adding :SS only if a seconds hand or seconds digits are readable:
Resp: 9:20
